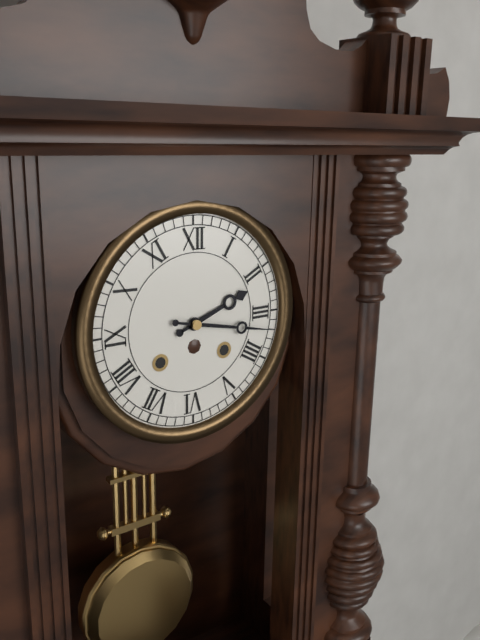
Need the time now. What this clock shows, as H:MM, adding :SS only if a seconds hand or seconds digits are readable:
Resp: 2:17
